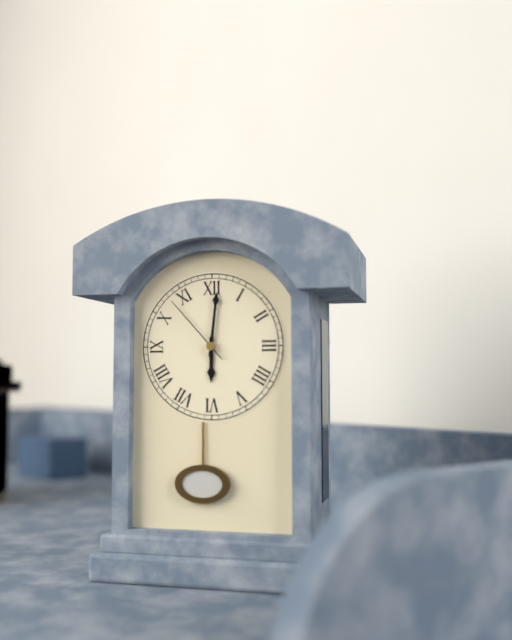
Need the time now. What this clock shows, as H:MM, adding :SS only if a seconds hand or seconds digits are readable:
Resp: 6:01:53
